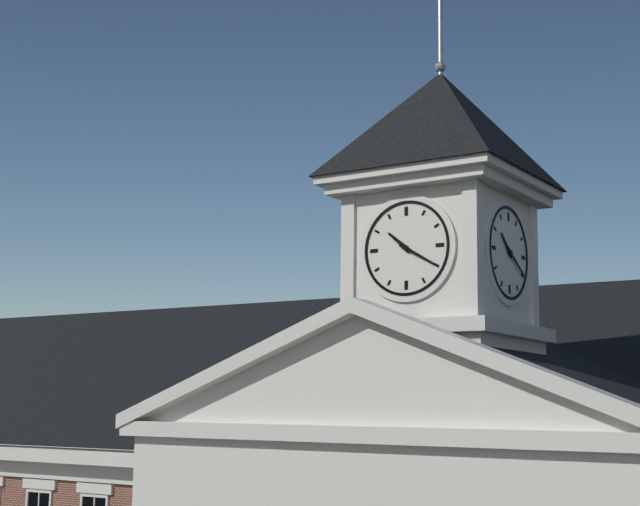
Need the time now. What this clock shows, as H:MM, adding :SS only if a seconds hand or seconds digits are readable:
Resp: 10:20
